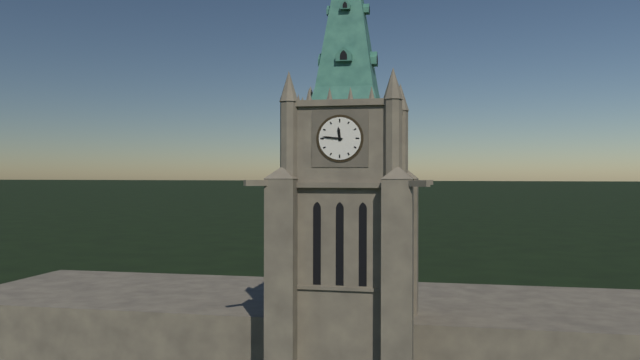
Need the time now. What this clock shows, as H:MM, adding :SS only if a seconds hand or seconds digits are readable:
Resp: 11:46
